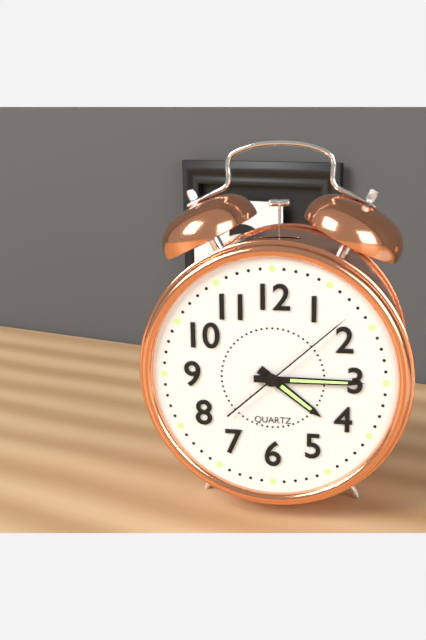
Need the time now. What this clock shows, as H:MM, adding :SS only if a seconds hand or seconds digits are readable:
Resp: 4:15:08
